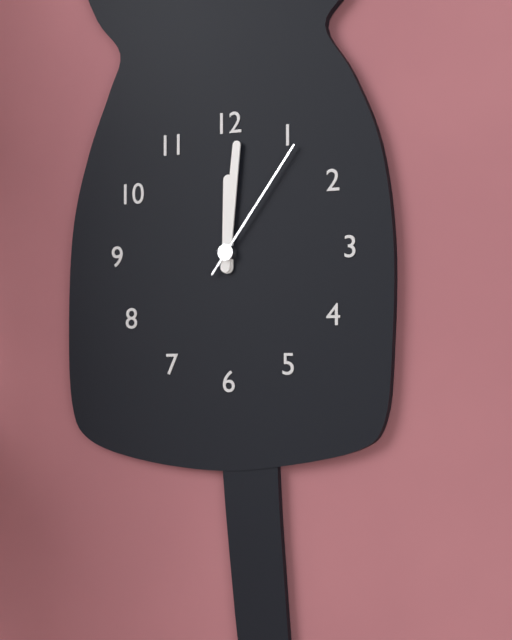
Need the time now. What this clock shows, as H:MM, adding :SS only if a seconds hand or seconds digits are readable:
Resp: 12:01:06
